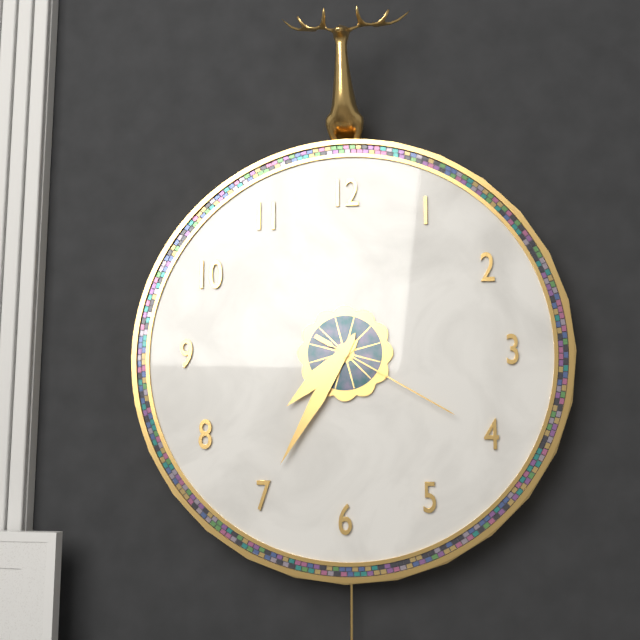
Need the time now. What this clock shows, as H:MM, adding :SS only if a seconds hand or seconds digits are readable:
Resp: 7:35:20
